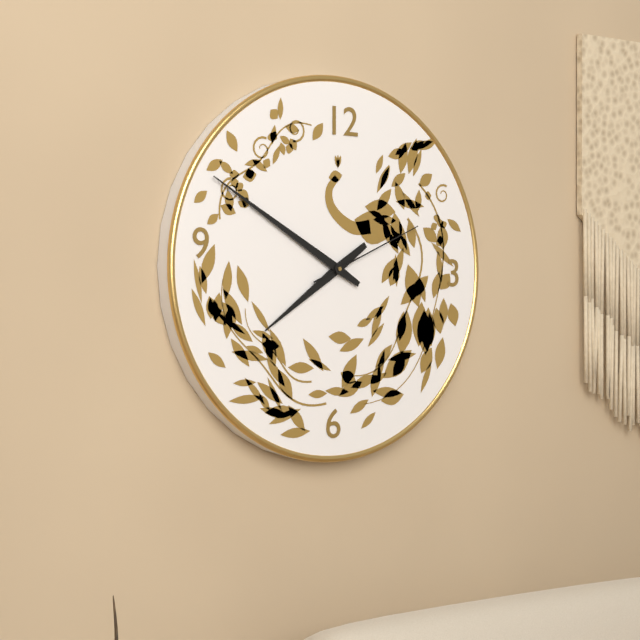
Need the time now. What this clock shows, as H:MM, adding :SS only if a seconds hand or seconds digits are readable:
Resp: 7:50:11
